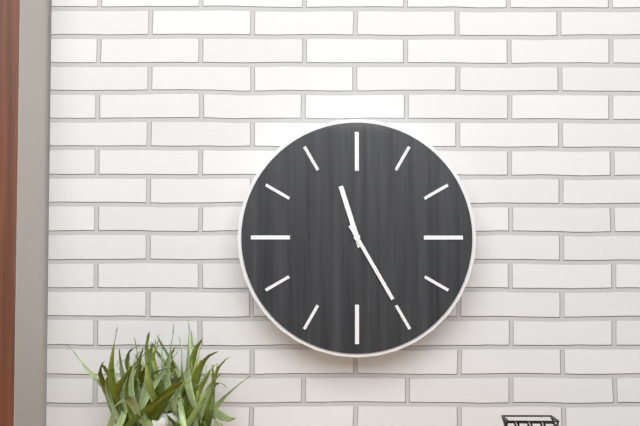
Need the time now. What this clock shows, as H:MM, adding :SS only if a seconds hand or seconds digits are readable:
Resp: 11:25
